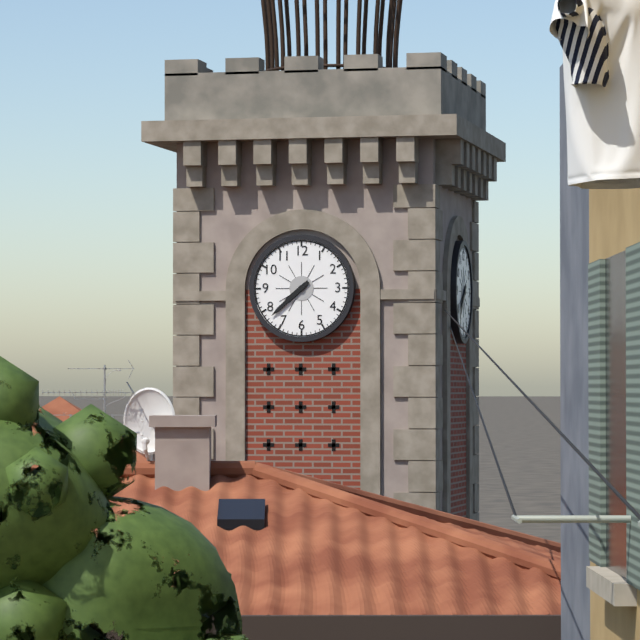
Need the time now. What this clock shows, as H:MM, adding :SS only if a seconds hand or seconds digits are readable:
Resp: 7:38
